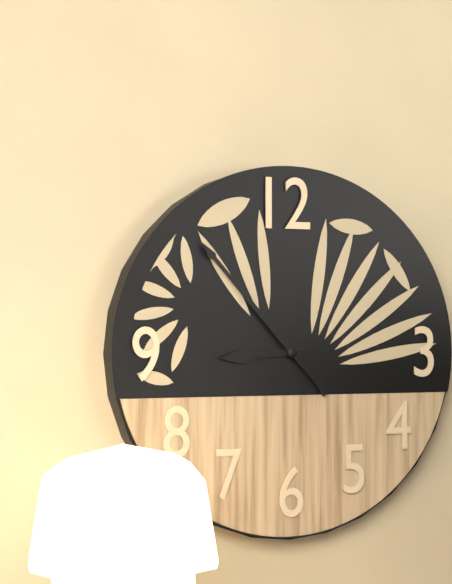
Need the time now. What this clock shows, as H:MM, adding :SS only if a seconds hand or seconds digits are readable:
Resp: 8:53
